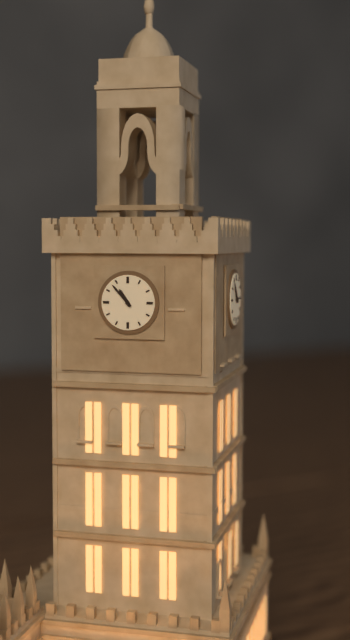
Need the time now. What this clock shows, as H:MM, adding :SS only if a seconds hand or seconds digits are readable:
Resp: 10:53
